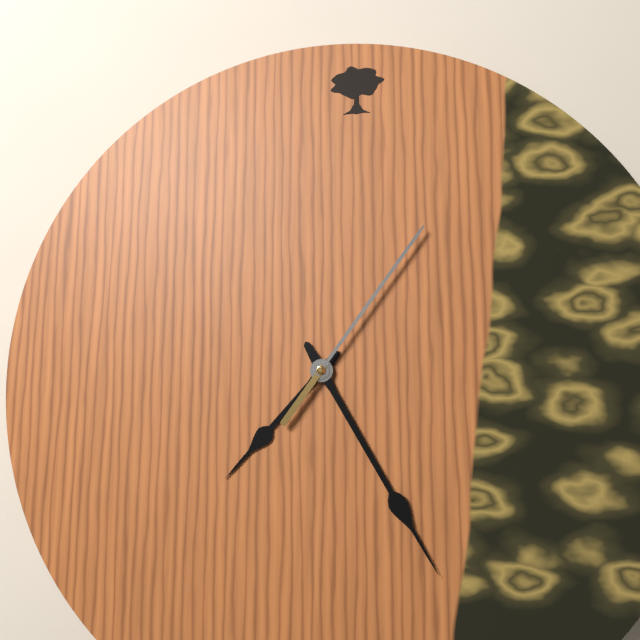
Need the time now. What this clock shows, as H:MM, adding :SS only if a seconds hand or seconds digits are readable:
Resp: 7:25:06
